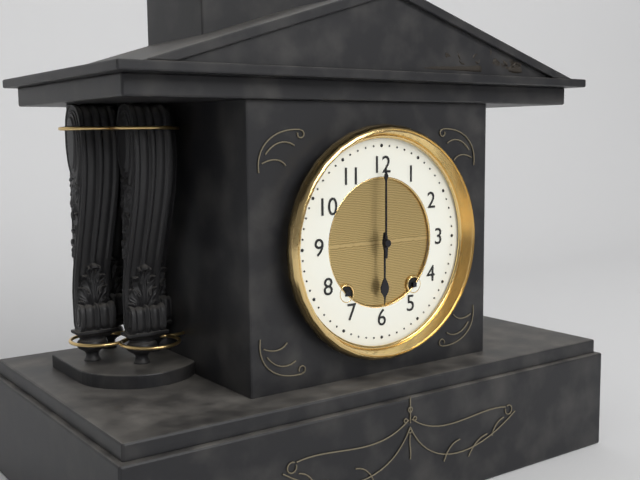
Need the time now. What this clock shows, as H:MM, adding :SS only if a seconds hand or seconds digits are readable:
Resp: 6:00
